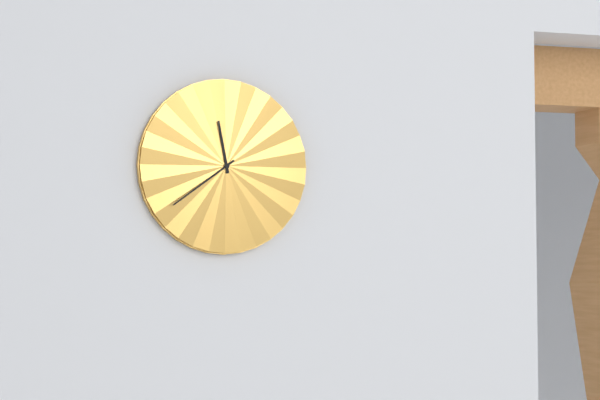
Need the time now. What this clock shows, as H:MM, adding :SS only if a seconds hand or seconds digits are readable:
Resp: 11:39
